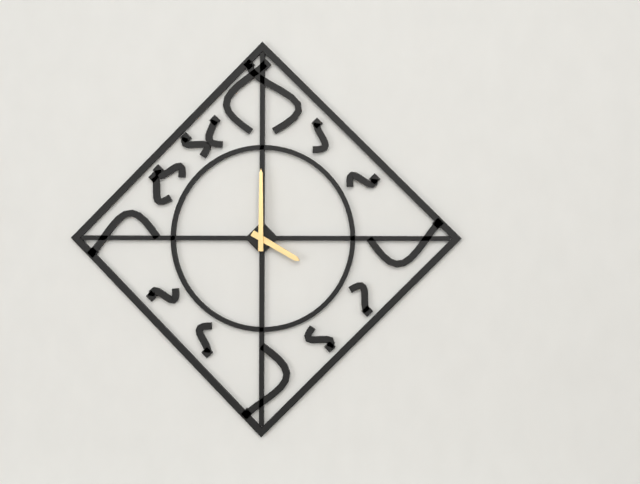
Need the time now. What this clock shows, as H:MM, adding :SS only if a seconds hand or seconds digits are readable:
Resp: 4:00
